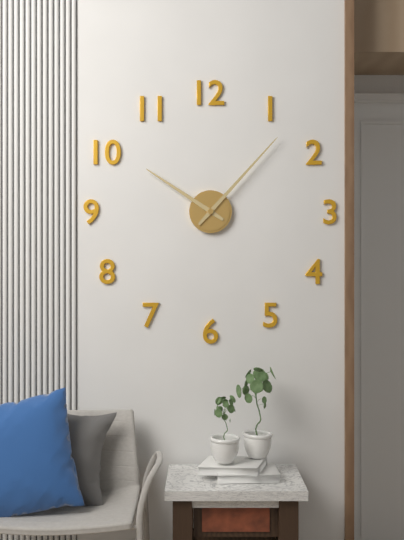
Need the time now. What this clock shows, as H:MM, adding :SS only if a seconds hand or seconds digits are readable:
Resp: 10:07
